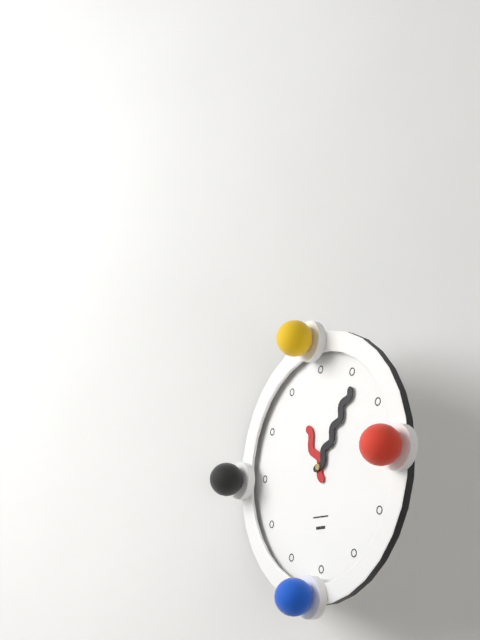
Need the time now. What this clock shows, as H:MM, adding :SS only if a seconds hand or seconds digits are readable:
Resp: 11:06
